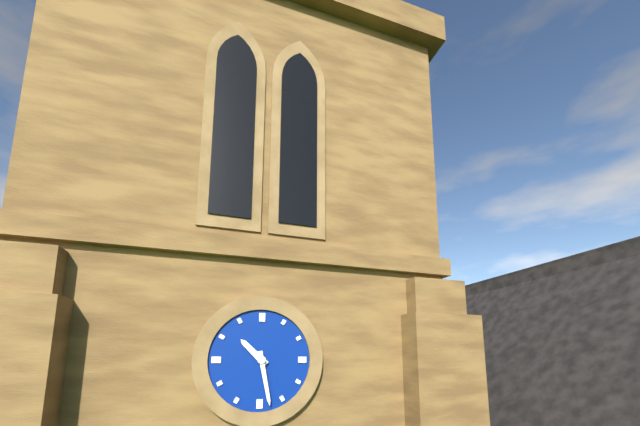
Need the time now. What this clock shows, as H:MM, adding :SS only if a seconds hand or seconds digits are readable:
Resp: 10:28
